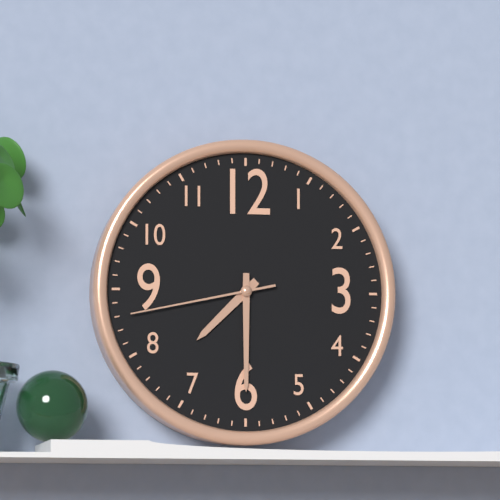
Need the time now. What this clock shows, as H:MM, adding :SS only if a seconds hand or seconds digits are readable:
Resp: 7:30:43
